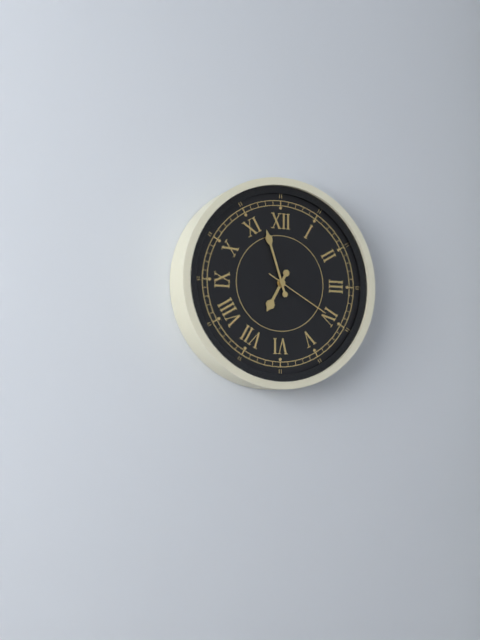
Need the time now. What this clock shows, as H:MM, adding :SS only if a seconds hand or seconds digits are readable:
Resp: 6:57:20
